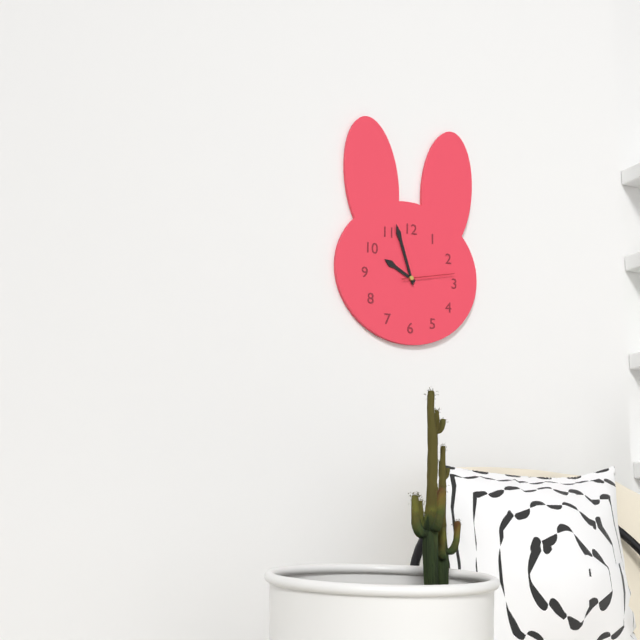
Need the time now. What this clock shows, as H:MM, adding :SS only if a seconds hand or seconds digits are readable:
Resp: 9:57:13
